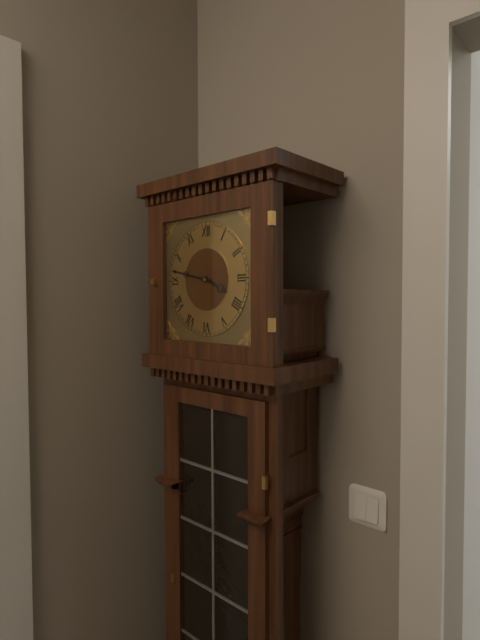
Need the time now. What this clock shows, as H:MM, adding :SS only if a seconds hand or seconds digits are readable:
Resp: 3:47
